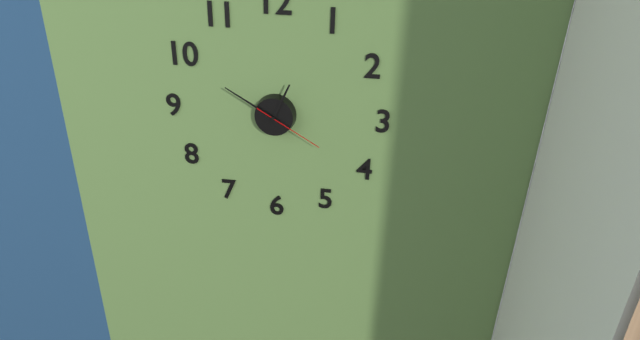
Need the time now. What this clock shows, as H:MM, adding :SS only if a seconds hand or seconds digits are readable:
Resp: 12:50:20
